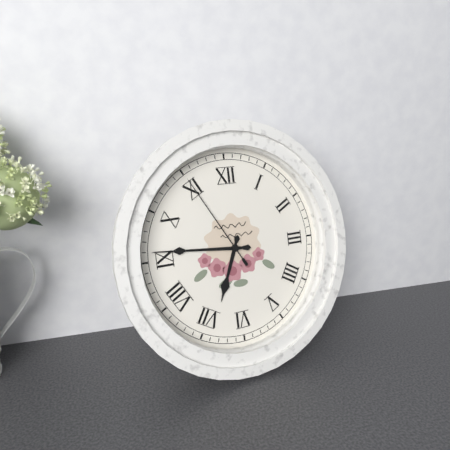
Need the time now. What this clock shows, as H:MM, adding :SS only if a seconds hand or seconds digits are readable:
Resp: 6:46:55
